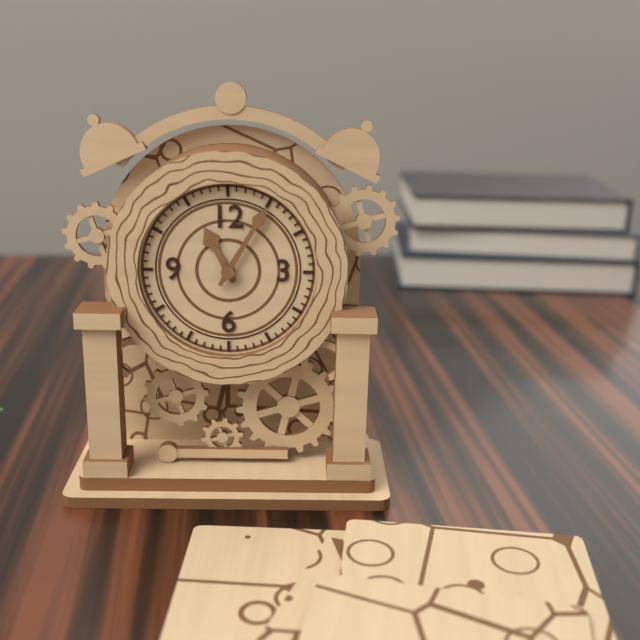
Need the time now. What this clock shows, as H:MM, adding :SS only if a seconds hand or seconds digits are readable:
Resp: 11:05
